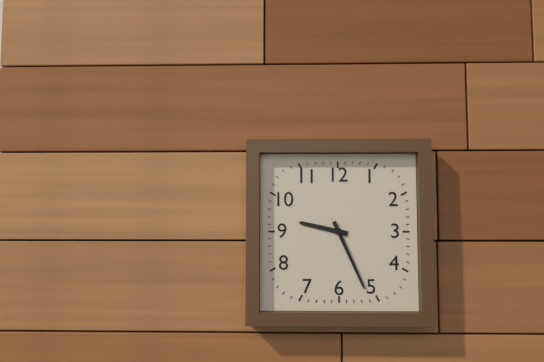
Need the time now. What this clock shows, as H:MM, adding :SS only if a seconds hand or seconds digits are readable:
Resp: 9:26
